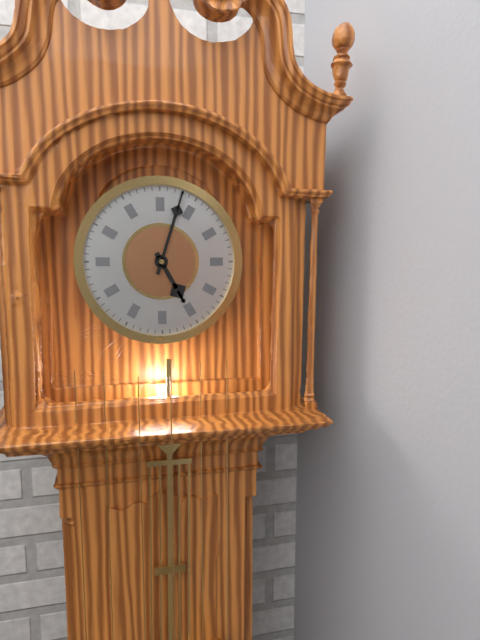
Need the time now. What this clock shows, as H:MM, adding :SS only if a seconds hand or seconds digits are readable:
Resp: 5:03
